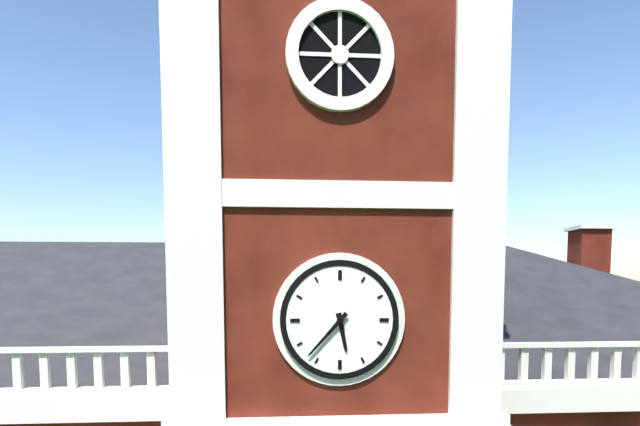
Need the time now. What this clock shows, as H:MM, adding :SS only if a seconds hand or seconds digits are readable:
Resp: 5:37
